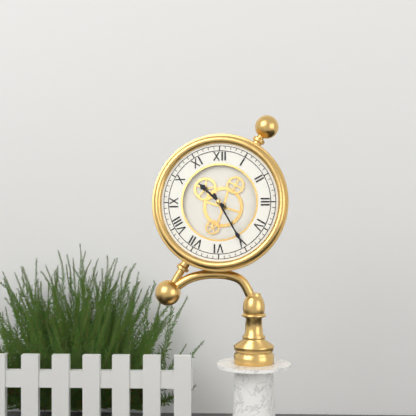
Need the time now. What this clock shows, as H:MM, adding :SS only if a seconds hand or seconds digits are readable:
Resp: 10:25
